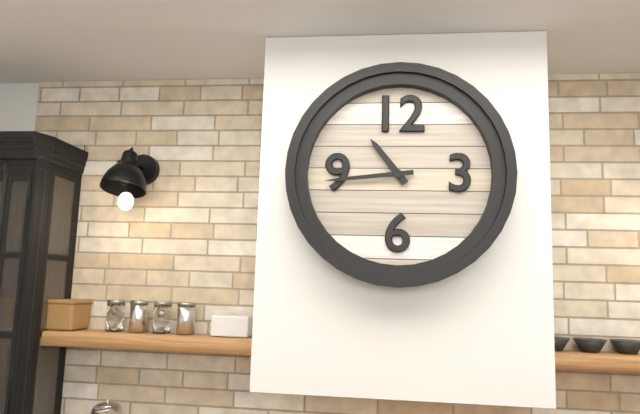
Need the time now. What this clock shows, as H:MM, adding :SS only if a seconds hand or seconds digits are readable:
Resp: 10:44
